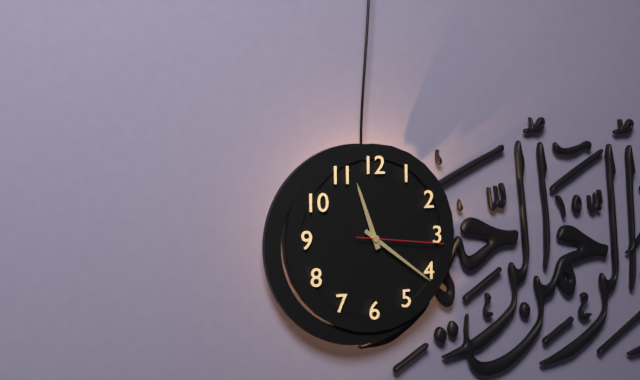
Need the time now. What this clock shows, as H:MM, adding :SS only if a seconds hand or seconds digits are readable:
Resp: 11:21:16
